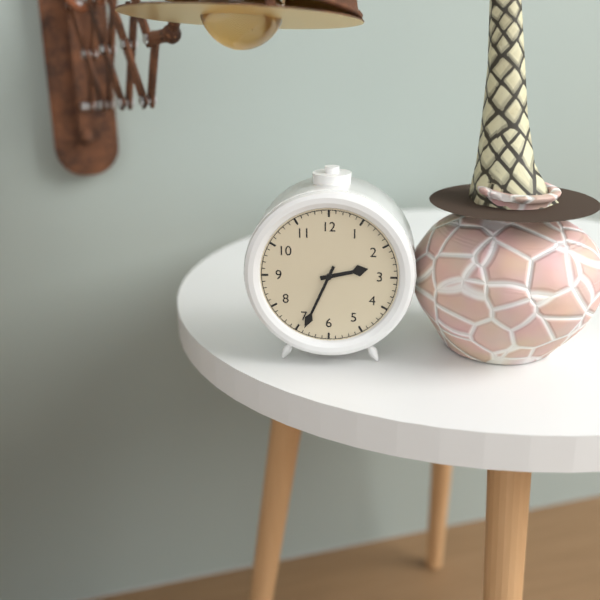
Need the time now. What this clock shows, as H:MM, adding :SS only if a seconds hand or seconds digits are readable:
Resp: 2:34
